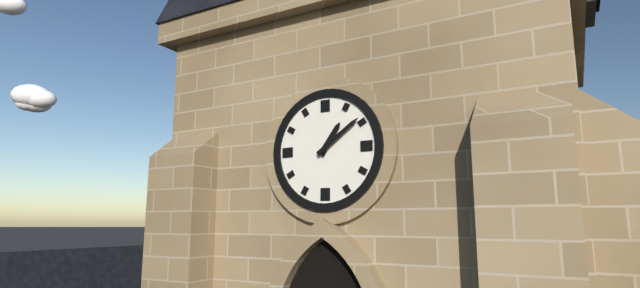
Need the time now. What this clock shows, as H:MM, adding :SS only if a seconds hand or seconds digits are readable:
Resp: 1:09
